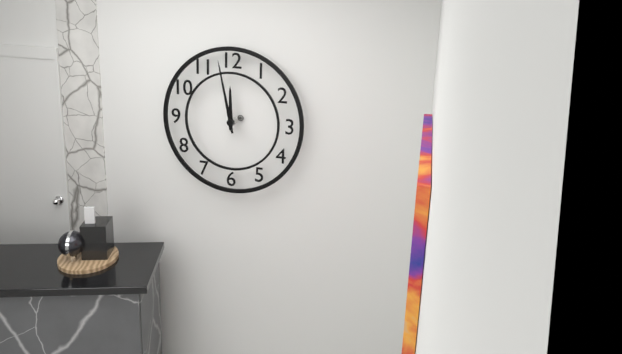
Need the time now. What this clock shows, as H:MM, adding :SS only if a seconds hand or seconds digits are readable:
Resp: 11:58
